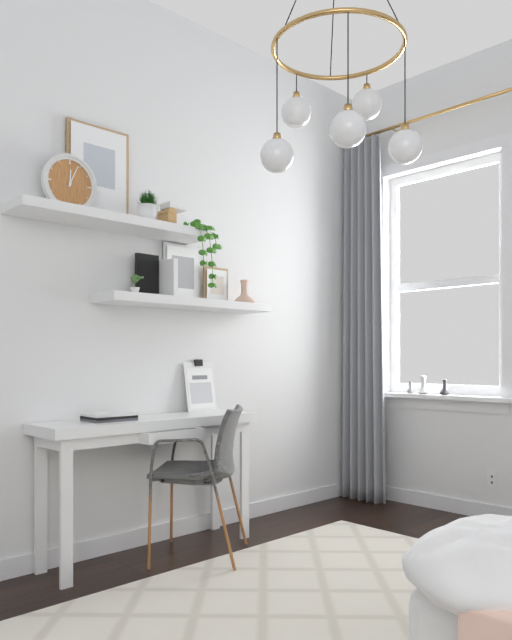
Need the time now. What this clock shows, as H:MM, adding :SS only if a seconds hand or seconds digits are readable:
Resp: 12:04
